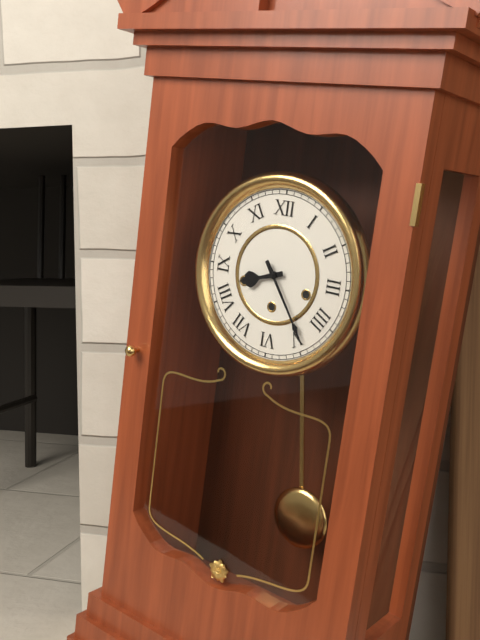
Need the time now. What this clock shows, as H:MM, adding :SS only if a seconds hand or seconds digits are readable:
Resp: 8:24
